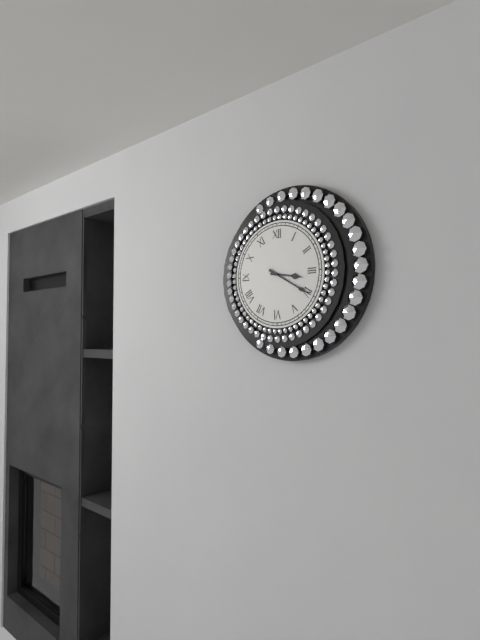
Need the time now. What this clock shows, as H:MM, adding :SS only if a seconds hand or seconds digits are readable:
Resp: 3:20
